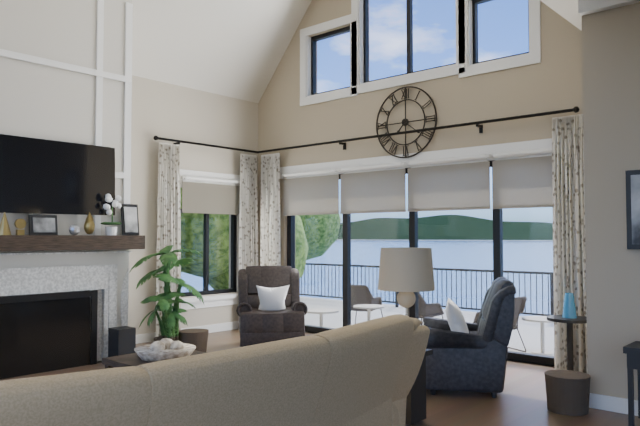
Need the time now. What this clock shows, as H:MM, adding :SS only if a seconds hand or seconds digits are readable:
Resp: 7:21
